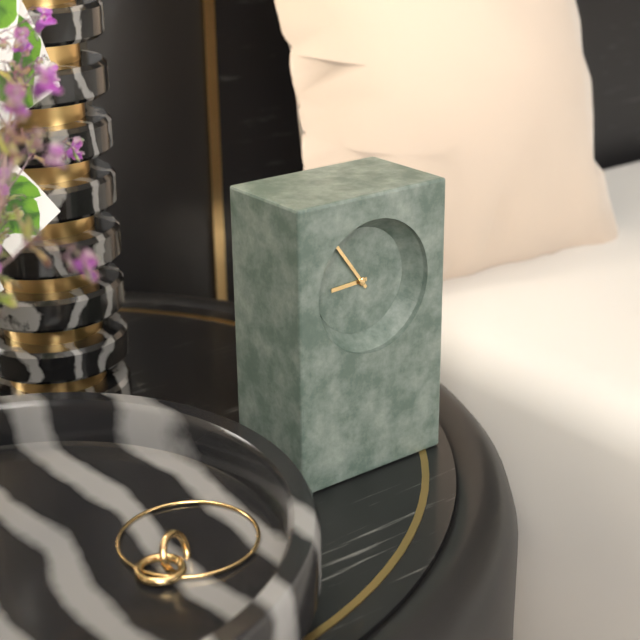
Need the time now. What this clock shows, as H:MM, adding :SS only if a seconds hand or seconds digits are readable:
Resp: 8:54
